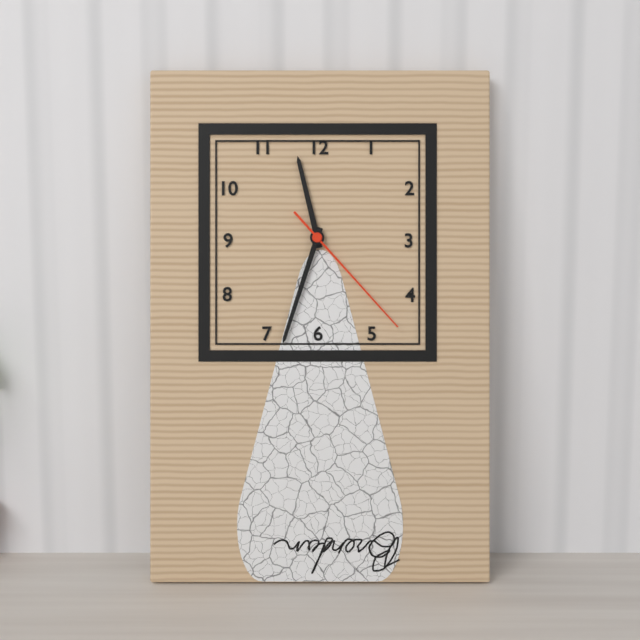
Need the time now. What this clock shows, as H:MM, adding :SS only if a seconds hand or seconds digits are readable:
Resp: 11:33:23
